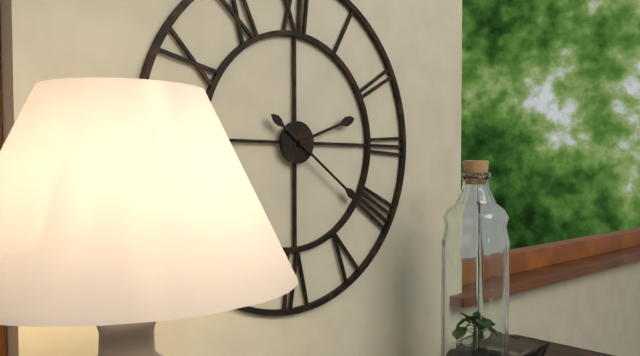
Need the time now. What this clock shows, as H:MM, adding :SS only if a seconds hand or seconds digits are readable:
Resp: 2:21
